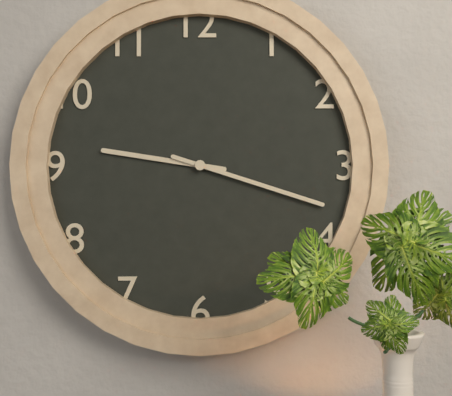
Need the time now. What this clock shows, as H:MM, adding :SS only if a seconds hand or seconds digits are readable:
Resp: 9:18
